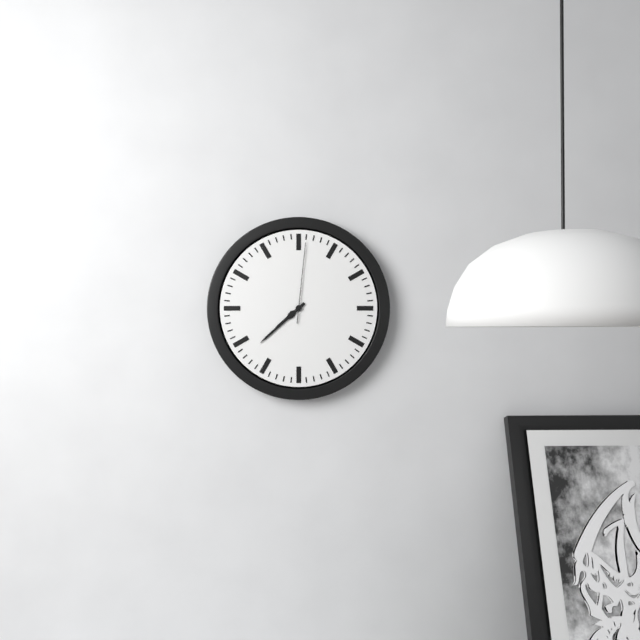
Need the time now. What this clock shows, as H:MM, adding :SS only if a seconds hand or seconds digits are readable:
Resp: 7:38:01
